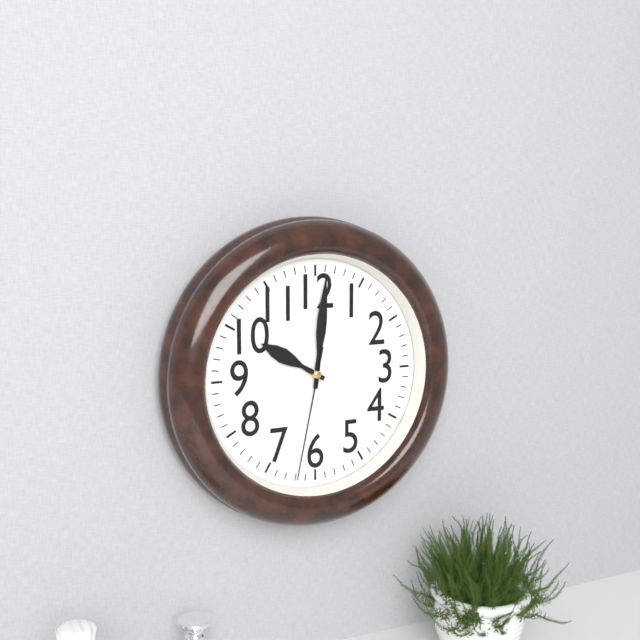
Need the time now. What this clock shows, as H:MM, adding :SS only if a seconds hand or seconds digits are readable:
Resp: 10:01:32
